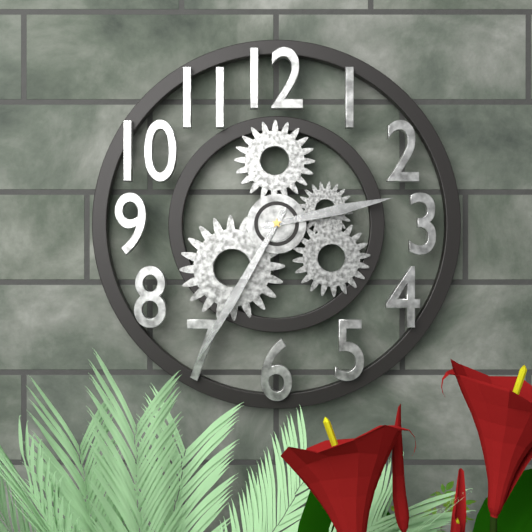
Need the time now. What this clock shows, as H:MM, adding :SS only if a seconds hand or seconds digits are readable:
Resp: 2:35
